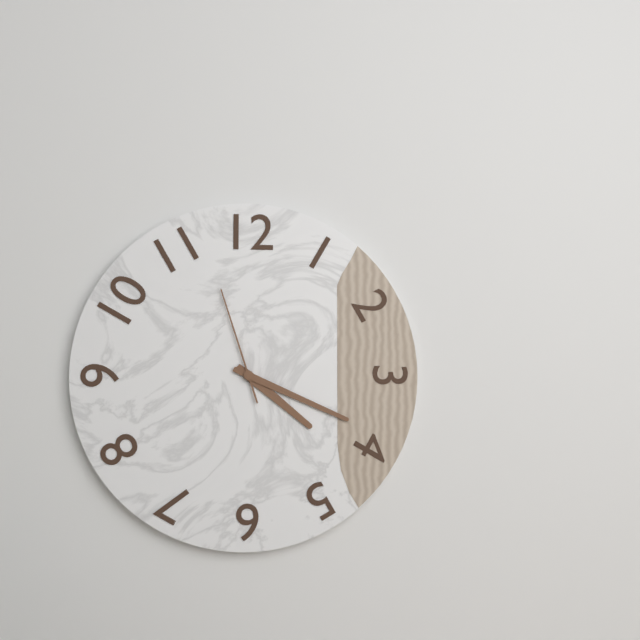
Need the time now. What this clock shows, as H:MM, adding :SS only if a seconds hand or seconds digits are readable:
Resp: 4:19:57
